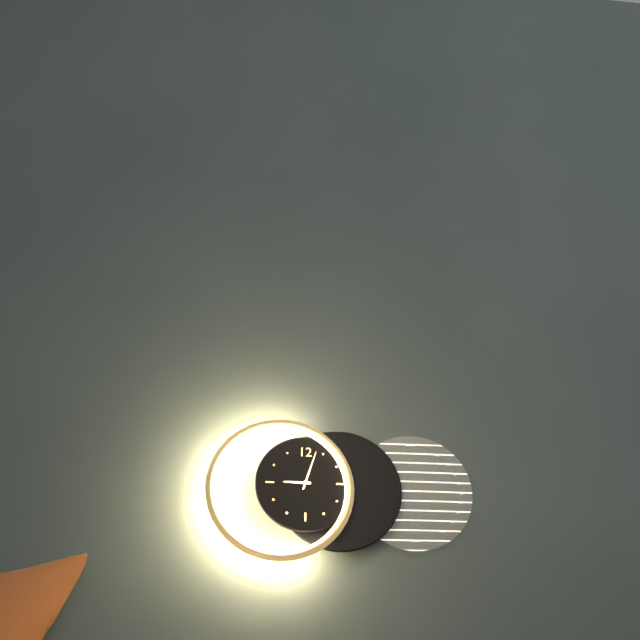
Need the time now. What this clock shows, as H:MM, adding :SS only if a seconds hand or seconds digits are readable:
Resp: 9:03
